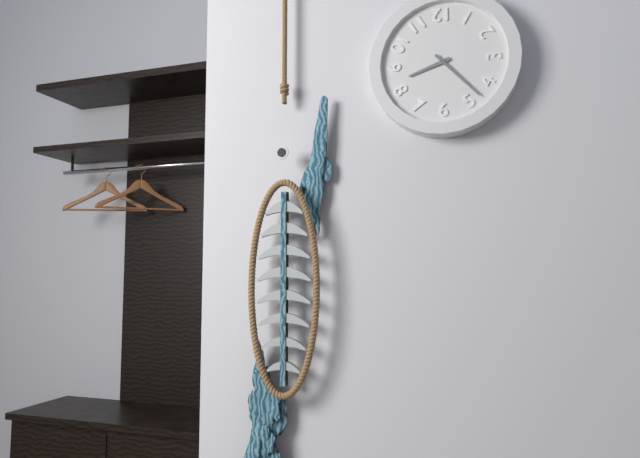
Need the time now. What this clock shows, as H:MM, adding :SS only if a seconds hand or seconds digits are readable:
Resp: 8:23
